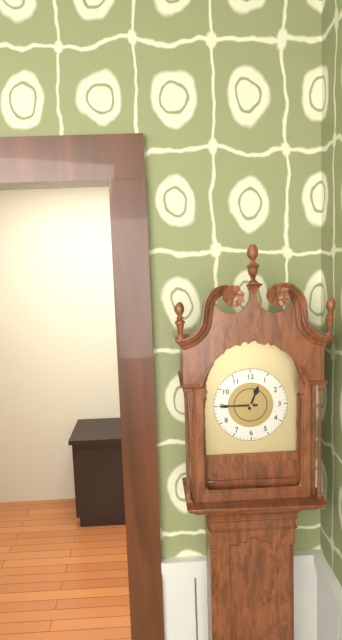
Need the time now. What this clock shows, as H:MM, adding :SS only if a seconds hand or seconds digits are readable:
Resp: 12:45
